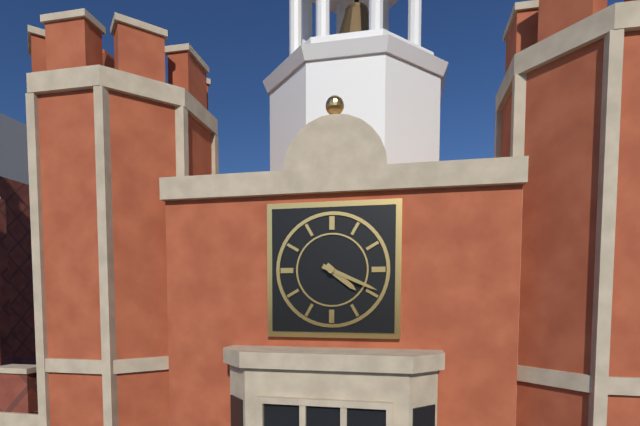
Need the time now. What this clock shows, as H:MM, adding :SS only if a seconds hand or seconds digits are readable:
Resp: 4:19
